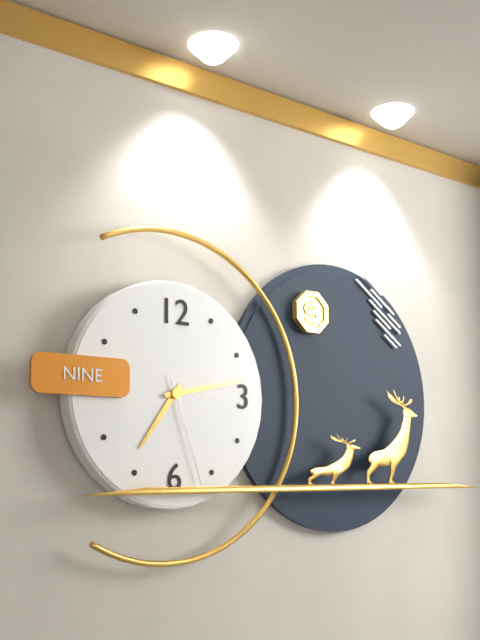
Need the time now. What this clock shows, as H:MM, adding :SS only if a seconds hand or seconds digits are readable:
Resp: 7:13:27
